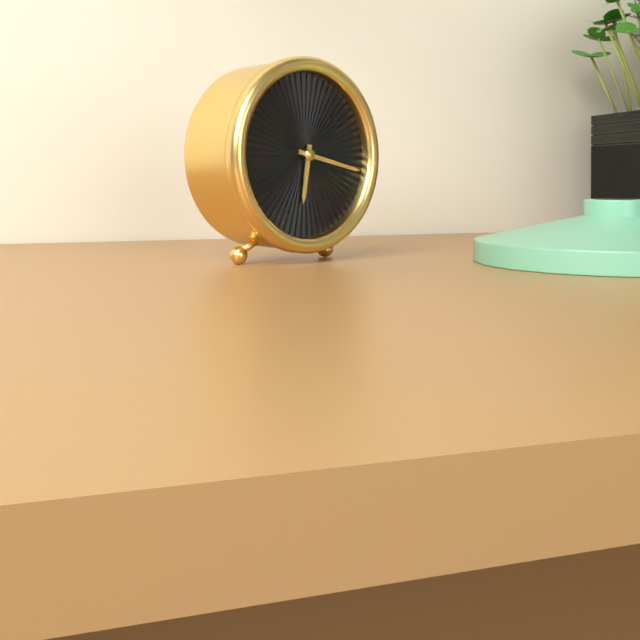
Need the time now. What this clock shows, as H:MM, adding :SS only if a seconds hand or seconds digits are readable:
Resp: 6:17
